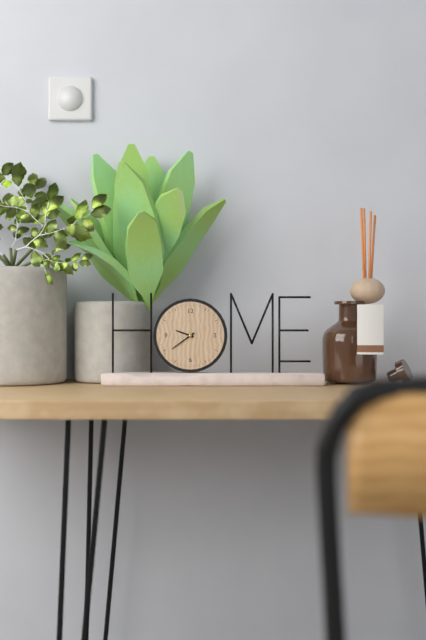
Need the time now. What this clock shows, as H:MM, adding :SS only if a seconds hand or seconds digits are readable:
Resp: 9:39
